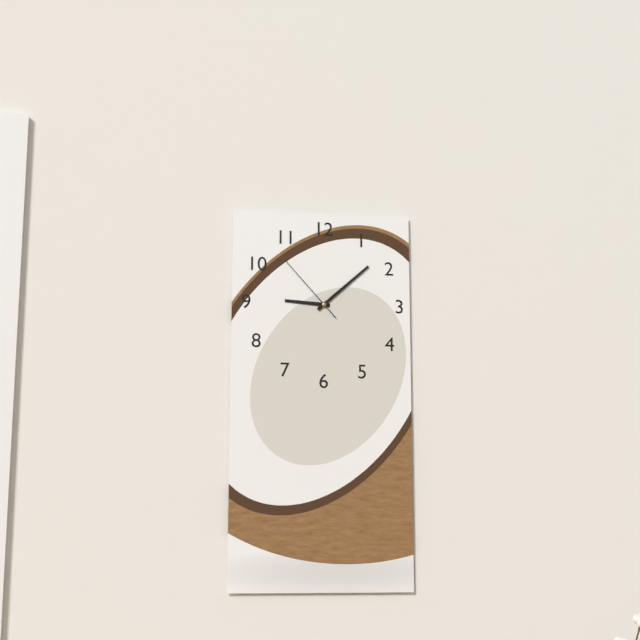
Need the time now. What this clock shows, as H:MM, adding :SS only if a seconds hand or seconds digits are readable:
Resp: 9:08:53
